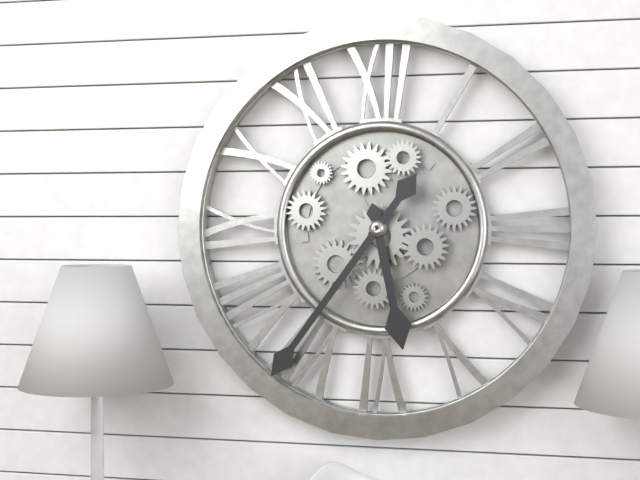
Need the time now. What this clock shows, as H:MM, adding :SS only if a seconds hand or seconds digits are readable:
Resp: 5:36
